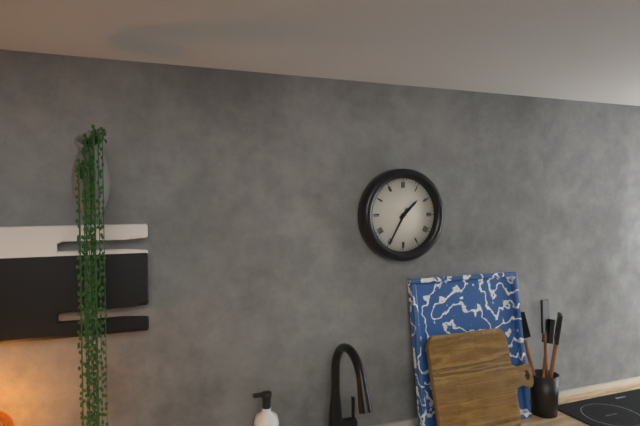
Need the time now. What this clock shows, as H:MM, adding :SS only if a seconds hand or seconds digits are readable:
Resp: 1:35
